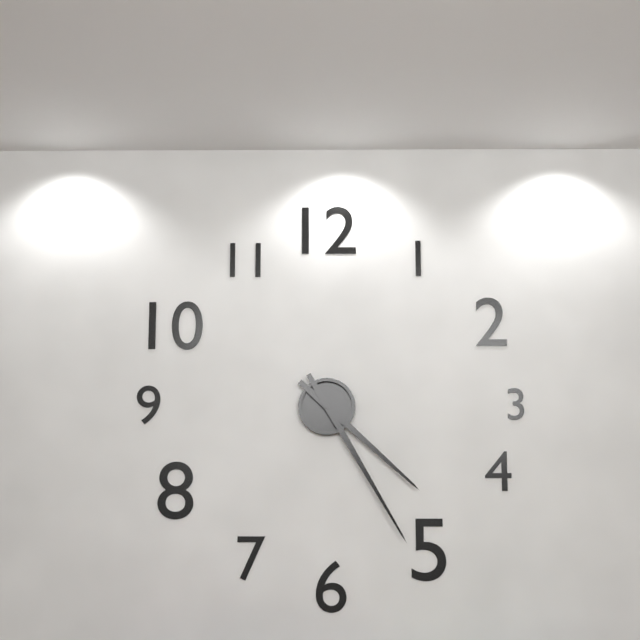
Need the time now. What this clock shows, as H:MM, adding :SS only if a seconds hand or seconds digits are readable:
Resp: 4:25
